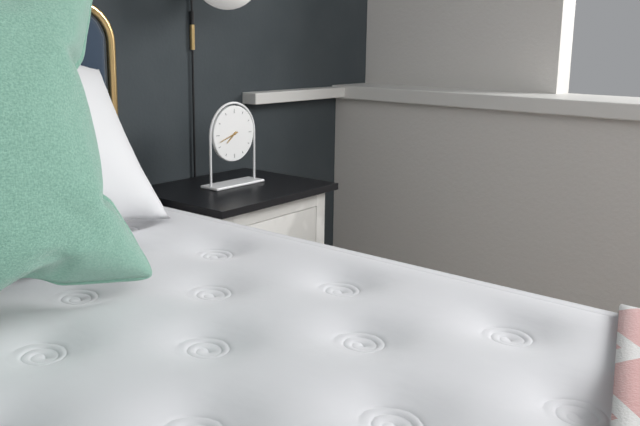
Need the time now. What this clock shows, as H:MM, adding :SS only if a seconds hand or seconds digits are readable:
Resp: 7:42
